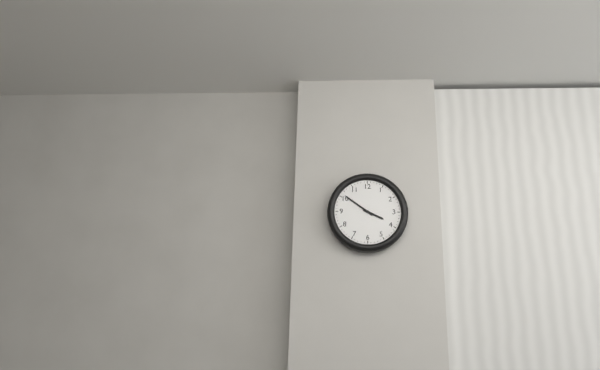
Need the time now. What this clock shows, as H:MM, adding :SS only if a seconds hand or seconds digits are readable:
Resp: 3:51
